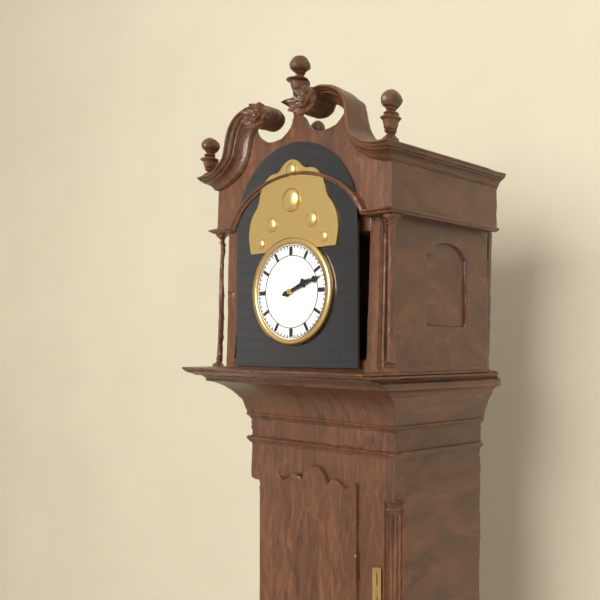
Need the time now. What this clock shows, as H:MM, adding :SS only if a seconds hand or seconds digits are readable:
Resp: 2:12
